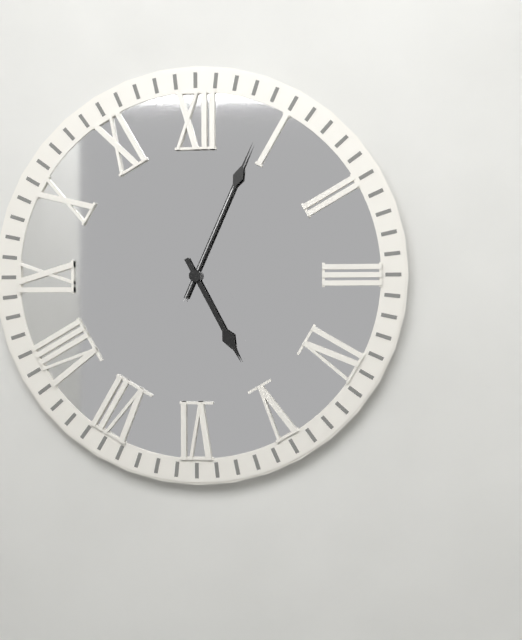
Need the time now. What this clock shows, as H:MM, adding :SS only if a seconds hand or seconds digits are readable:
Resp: 5:04:04
